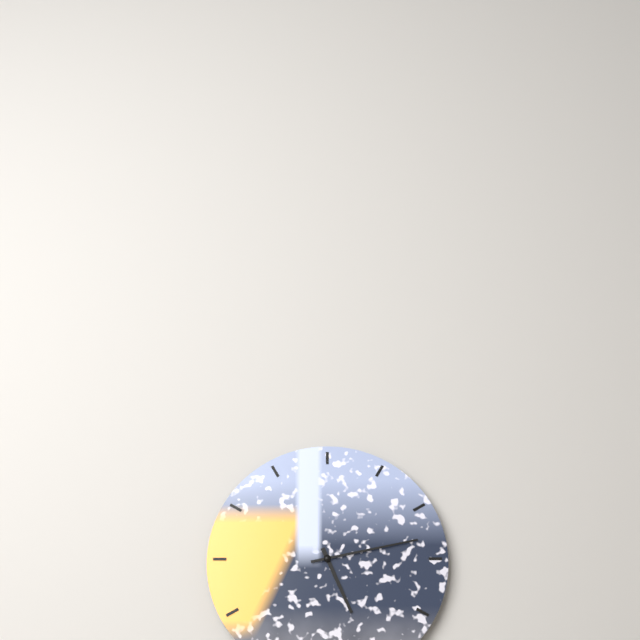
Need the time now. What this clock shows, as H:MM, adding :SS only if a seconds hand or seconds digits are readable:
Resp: 5:13
